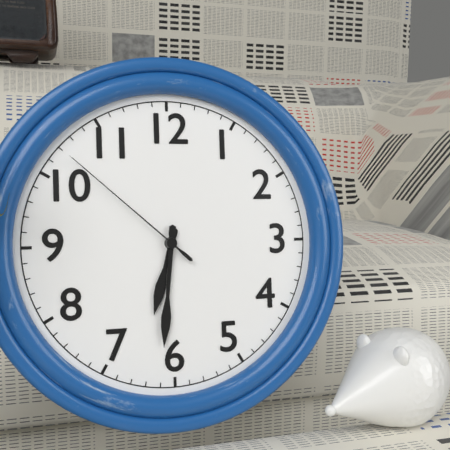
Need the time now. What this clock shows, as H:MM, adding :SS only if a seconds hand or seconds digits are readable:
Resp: 6:31:52
